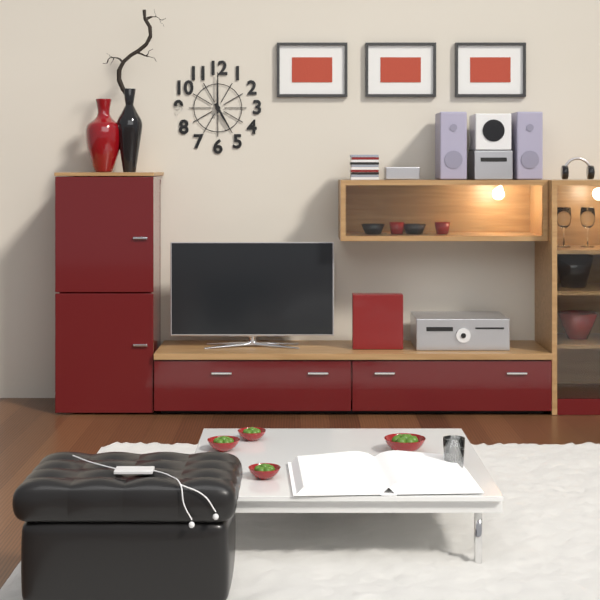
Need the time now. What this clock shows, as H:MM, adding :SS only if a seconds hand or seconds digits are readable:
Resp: 5:00
